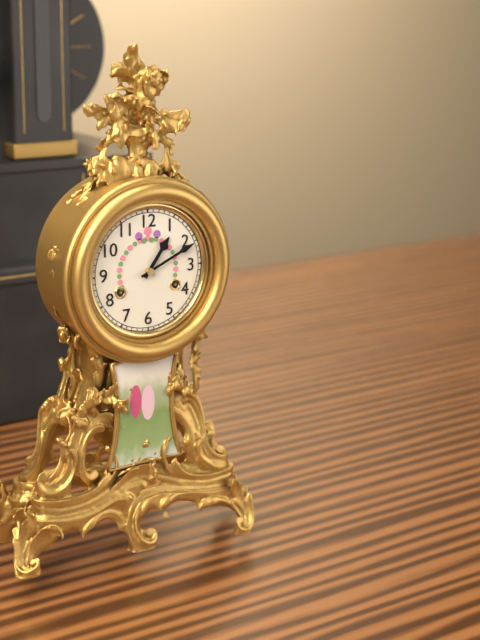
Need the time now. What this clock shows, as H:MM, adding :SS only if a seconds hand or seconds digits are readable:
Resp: 1:11
